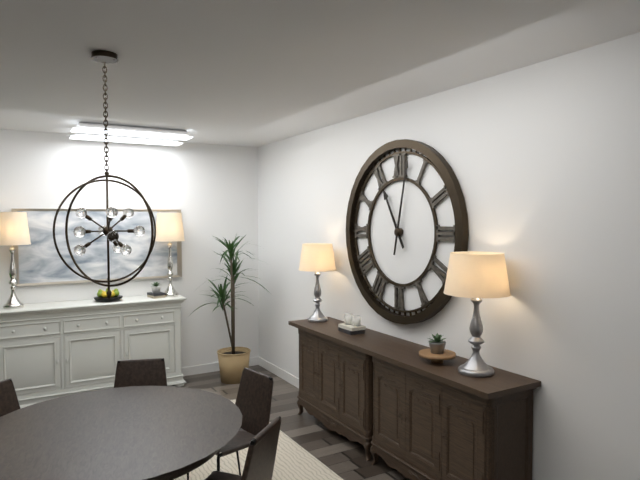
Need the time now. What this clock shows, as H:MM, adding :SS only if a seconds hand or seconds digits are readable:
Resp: 11:02
